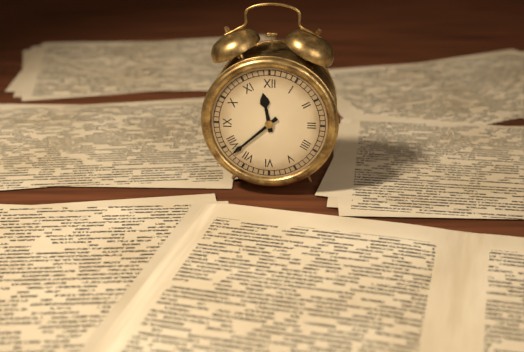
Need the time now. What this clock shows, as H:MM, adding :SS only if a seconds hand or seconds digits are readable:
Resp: 11:38
